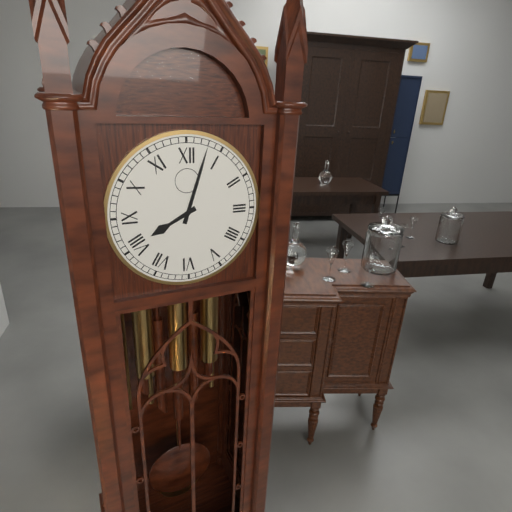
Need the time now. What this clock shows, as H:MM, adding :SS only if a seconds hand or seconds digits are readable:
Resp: 8:03
